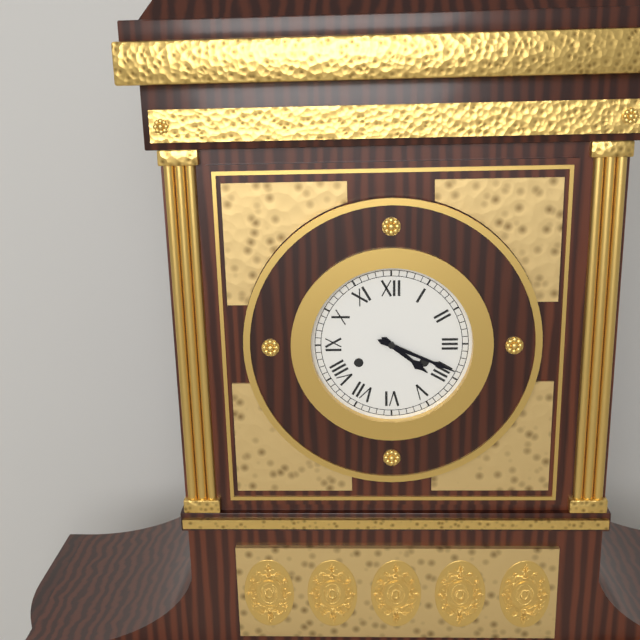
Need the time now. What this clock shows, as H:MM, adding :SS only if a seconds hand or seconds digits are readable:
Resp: 4:19
